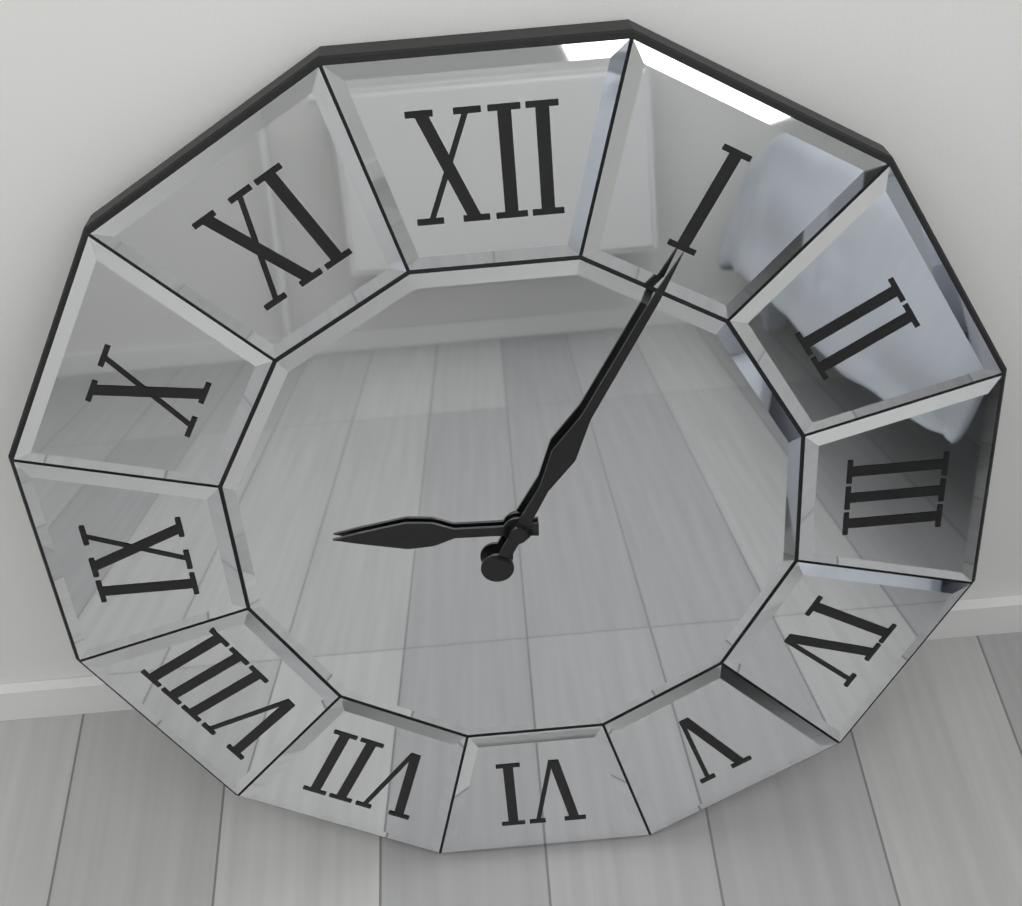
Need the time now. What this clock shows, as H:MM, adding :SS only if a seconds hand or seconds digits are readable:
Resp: 9:05
